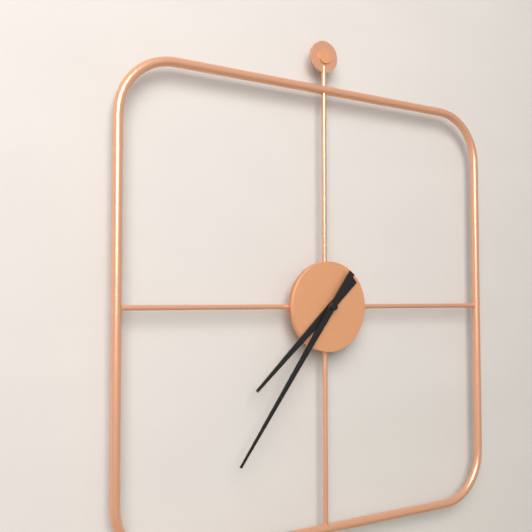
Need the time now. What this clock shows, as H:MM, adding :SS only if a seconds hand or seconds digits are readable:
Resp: 7:36
